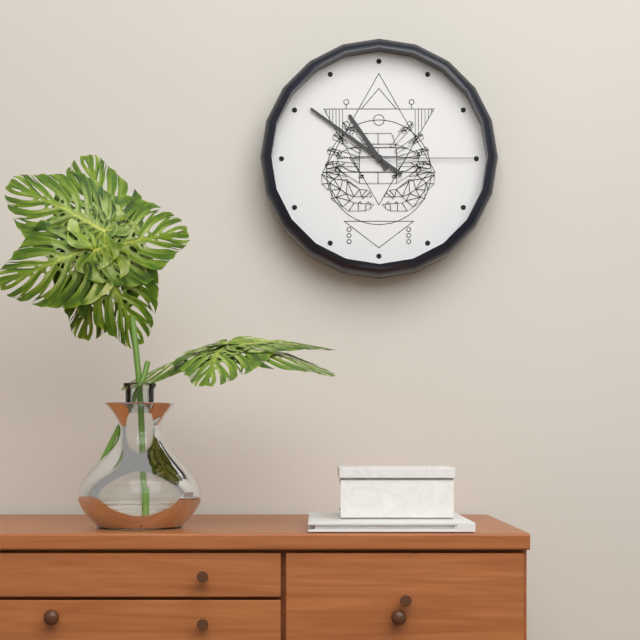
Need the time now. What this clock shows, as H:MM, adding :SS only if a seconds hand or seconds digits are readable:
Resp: 10:51:15
